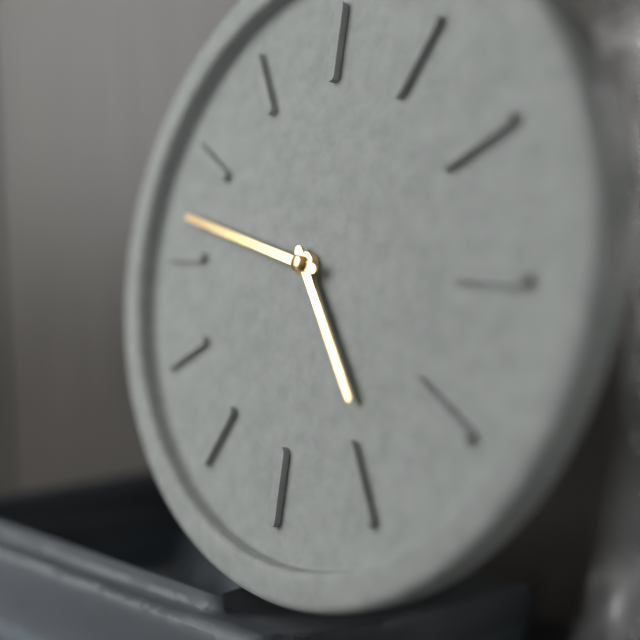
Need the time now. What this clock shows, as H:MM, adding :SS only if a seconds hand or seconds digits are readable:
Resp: 4:47
